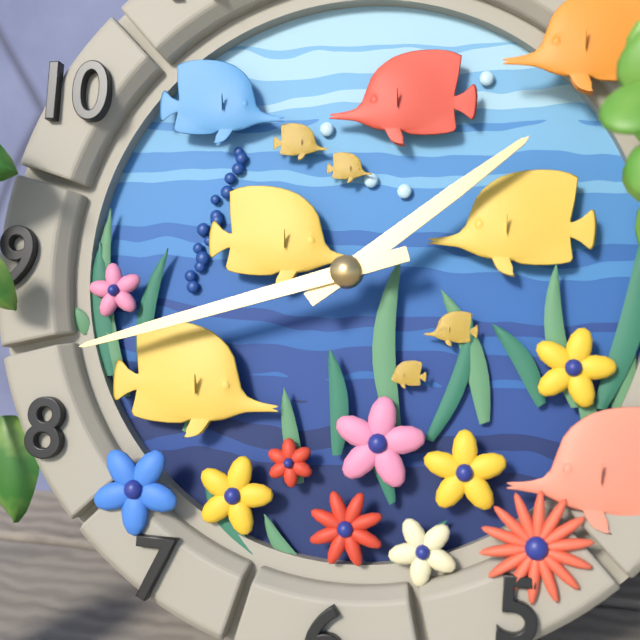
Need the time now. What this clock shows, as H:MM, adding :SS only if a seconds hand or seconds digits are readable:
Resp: 1:42
